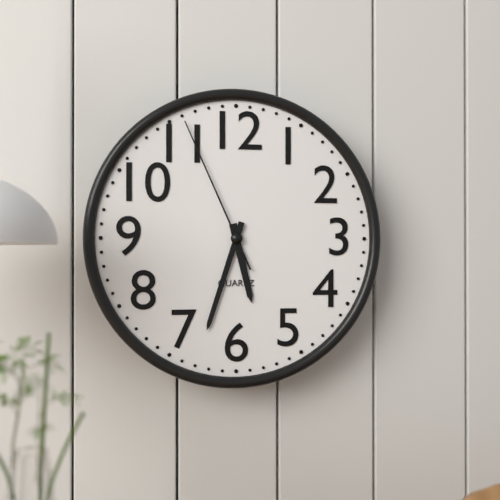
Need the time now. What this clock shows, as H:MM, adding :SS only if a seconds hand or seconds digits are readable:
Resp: 5:33:56
